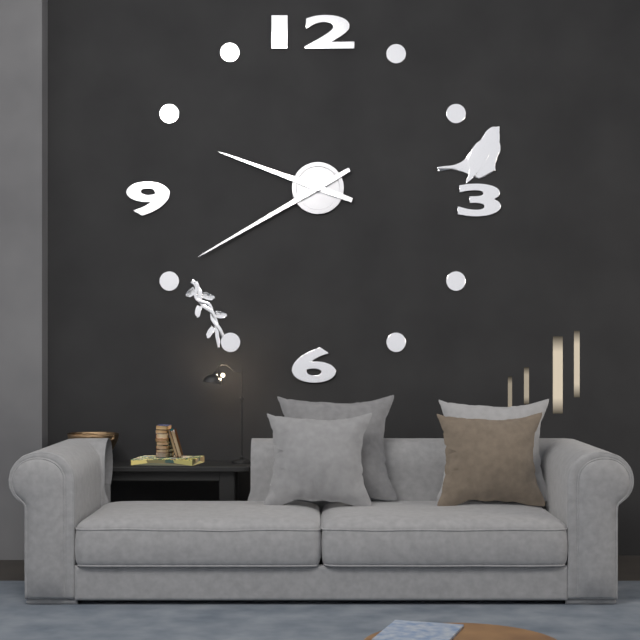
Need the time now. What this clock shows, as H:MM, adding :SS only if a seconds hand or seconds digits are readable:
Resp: 9:40
